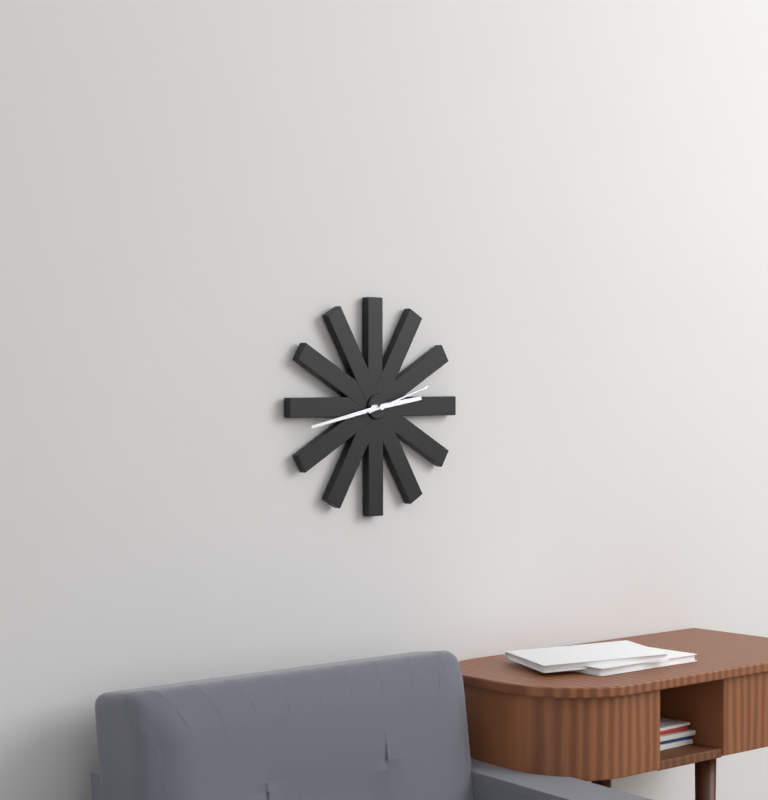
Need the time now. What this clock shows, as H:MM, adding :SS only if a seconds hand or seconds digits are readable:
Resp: 2:43:12
